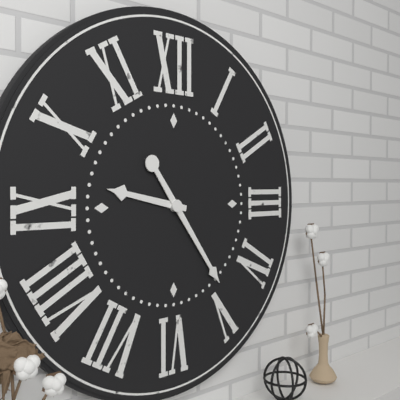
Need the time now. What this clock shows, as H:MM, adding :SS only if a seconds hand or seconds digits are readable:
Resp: 9:24
